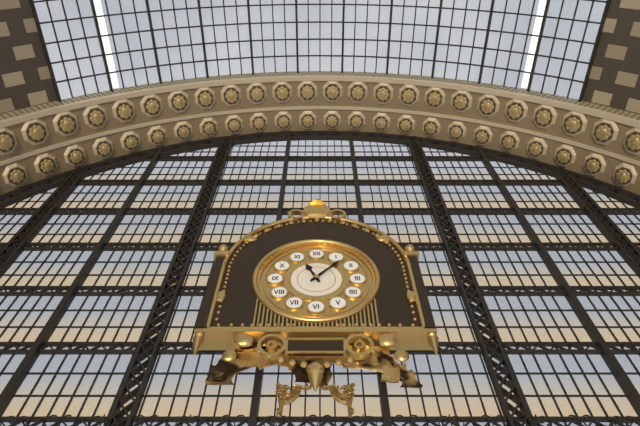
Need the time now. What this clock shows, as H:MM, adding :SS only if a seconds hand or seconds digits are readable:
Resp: 11:07
